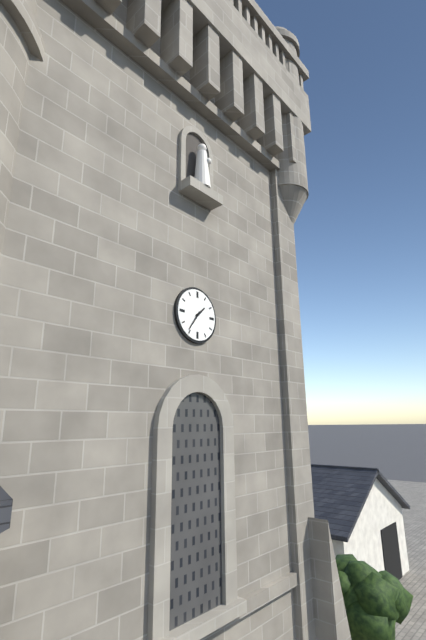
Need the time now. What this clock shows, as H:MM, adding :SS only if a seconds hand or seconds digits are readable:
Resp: 1:36
